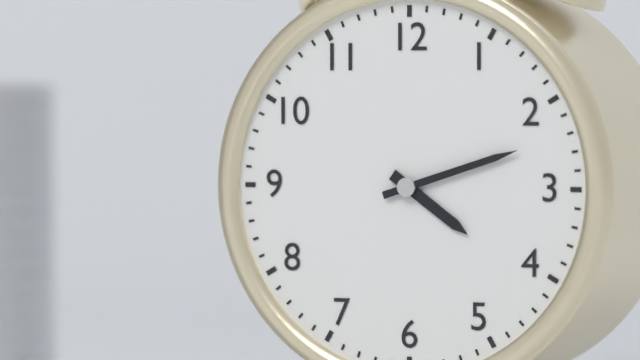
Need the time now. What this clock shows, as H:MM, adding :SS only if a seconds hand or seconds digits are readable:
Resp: 4:12
